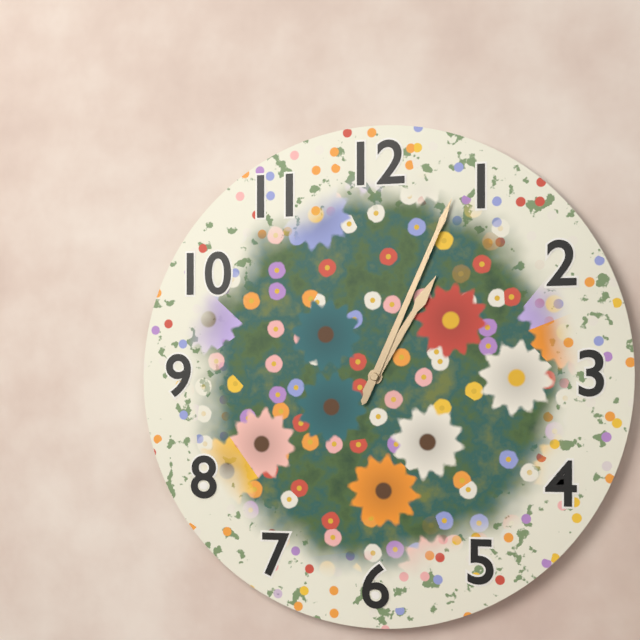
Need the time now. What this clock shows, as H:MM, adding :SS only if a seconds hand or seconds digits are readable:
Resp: 1:04
